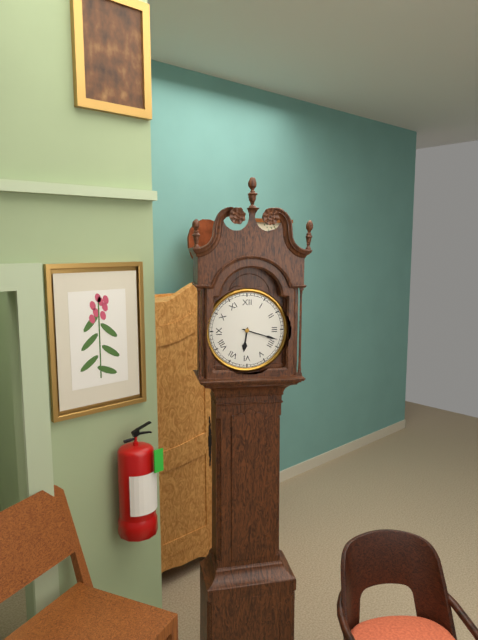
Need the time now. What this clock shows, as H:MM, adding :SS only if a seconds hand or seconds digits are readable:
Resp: 6:18
